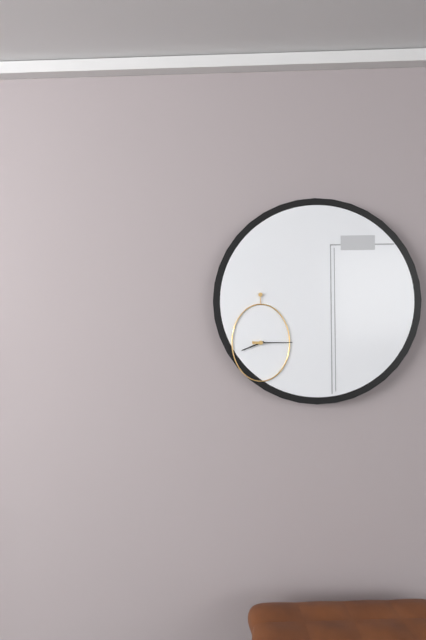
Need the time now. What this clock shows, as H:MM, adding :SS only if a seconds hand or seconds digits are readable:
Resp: 8:15
